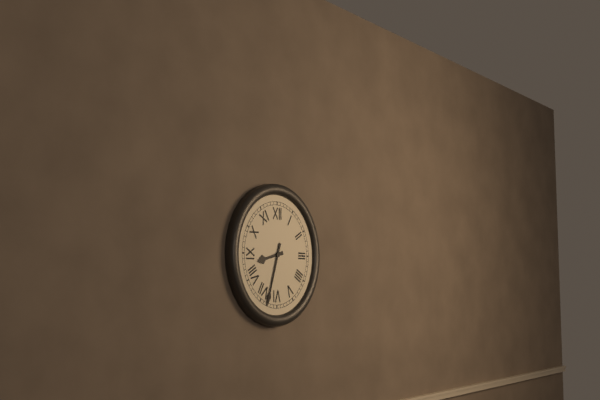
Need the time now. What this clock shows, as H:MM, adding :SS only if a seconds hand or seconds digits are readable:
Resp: 8:33
